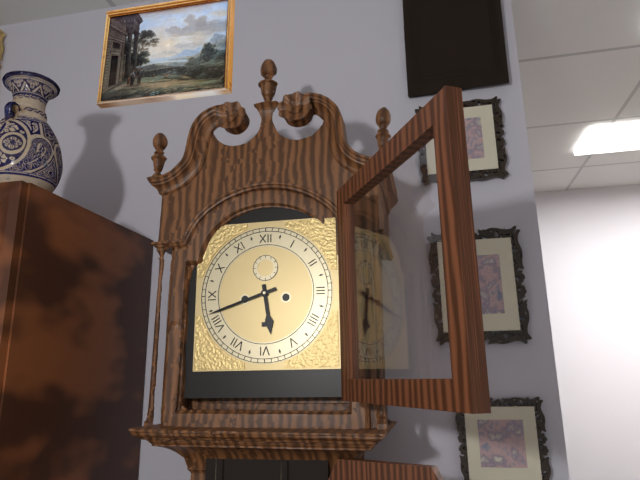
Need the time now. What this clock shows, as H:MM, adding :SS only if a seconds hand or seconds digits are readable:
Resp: 5:42
